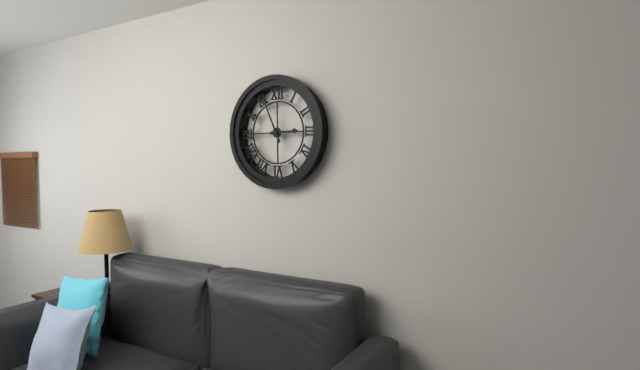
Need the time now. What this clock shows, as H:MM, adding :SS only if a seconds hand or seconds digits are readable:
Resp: 2:56
